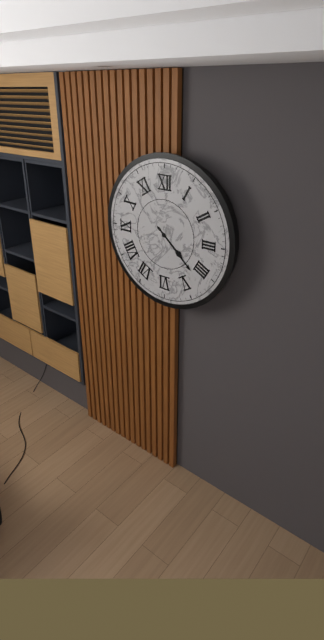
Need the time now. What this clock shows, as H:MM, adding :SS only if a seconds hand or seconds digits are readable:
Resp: 4:22
